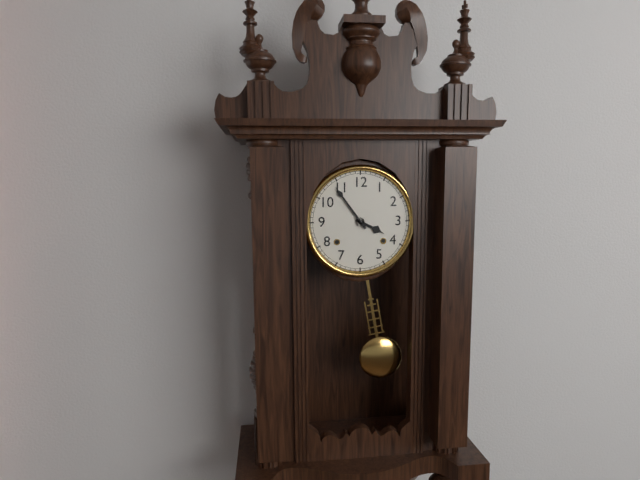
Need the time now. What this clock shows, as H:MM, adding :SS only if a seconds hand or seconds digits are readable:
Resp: 3:54
